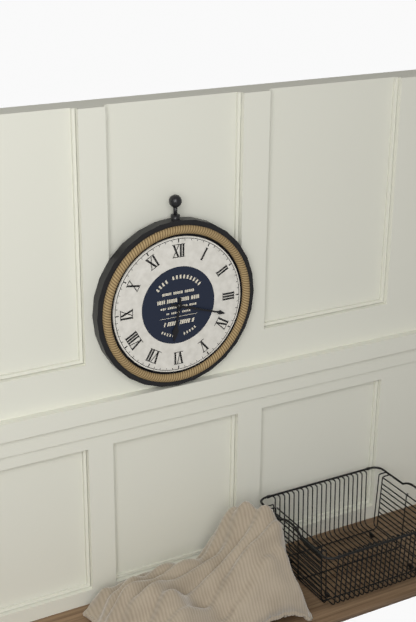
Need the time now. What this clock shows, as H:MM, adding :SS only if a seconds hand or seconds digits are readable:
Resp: 6:18
